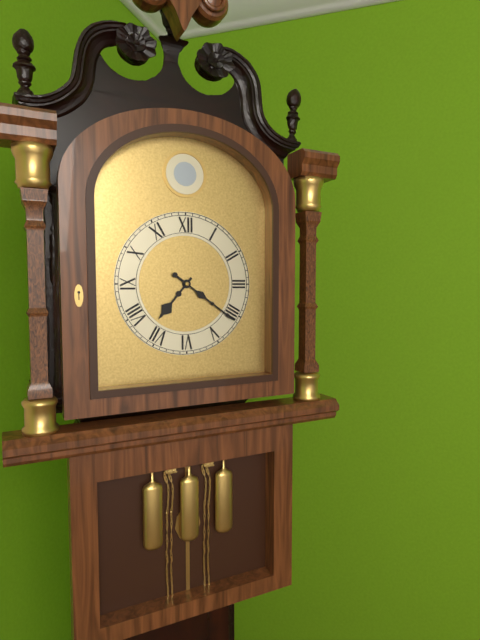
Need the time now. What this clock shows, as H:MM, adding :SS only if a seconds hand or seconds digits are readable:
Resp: 7:21
